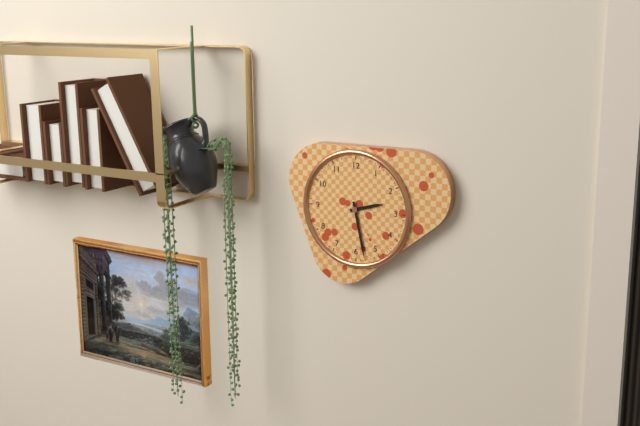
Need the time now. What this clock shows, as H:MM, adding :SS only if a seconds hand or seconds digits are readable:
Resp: 2:28
